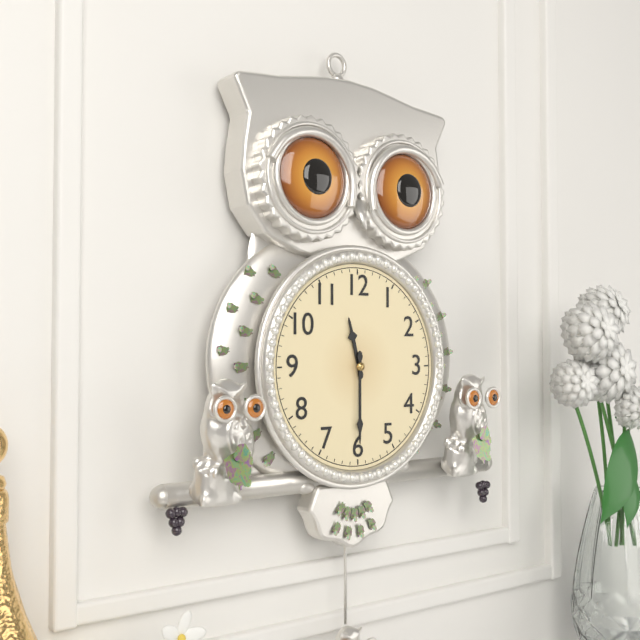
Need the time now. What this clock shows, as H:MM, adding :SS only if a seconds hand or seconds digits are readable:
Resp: 11:30
